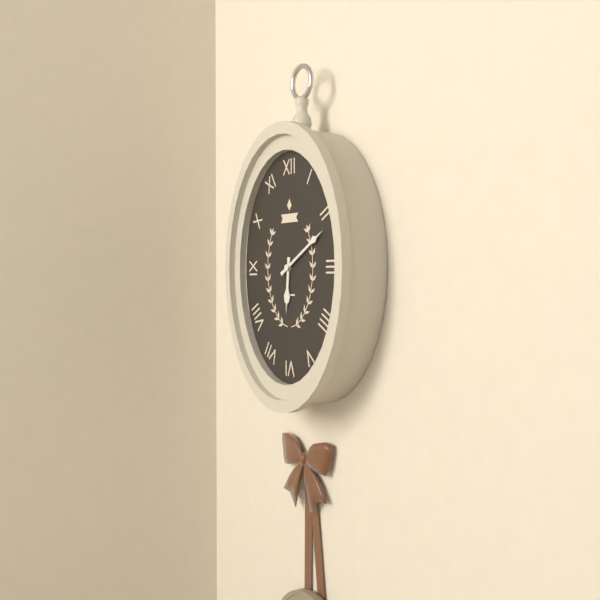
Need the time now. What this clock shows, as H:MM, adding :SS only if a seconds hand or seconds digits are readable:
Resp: 6:10
